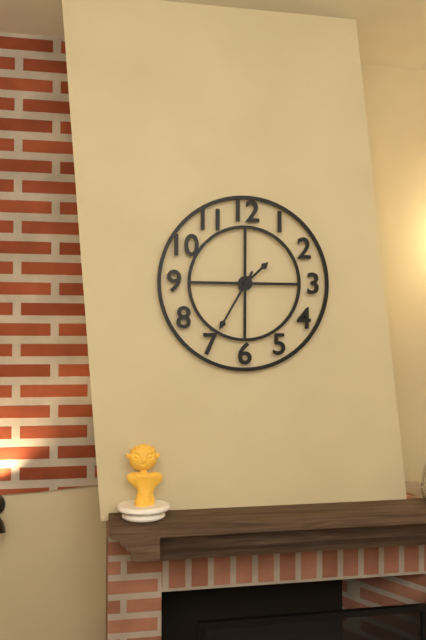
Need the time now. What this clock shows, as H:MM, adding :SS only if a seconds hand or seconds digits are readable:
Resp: 1:35
